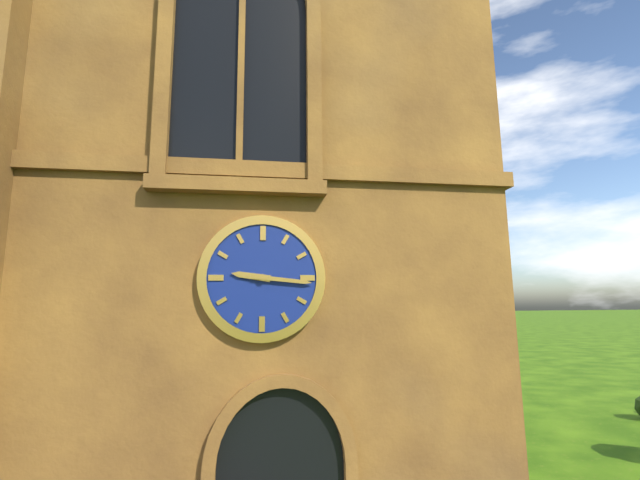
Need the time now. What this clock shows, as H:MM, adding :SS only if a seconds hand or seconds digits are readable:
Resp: 9:16
